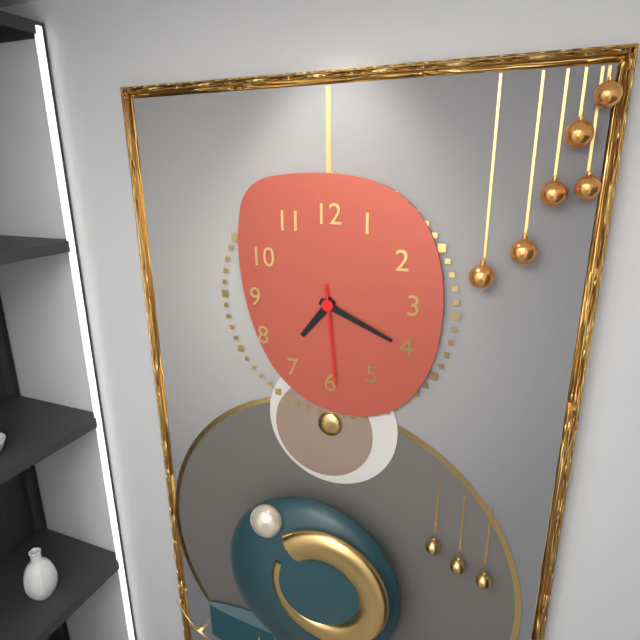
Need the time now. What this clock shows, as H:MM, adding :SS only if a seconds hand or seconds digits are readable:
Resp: 7:19:29
